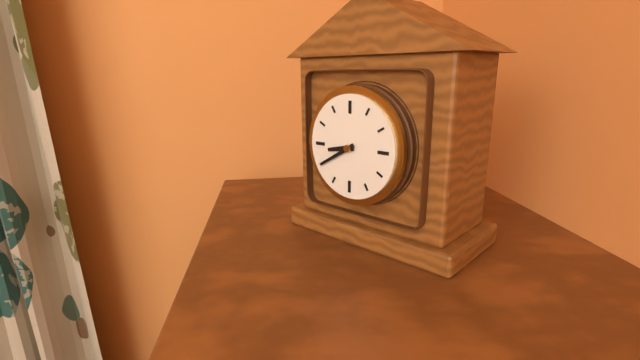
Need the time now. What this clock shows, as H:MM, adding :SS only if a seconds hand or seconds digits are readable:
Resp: 8:40
